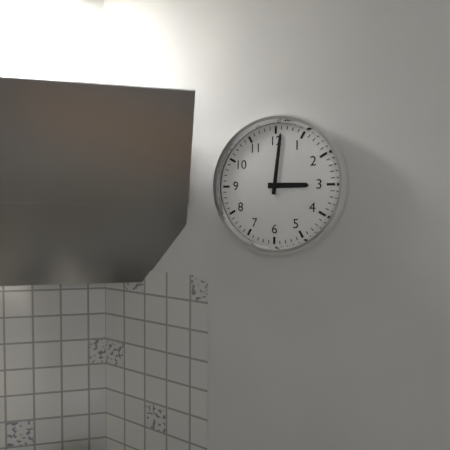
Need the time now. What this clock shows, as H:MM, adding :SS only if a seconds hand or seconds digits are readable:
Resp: 3:01
